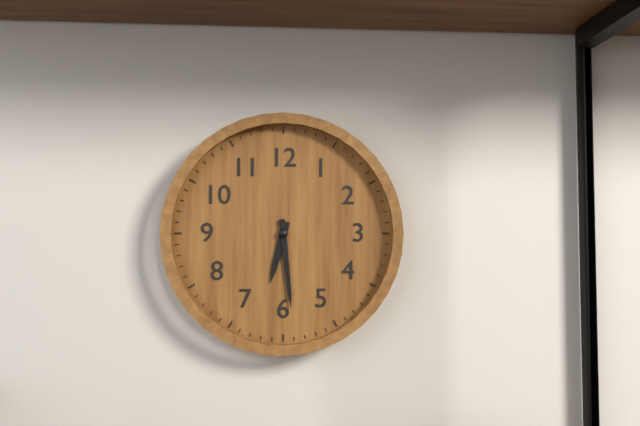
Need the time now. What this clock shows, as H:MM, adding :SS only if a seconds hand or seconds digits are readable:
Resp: 6:29
